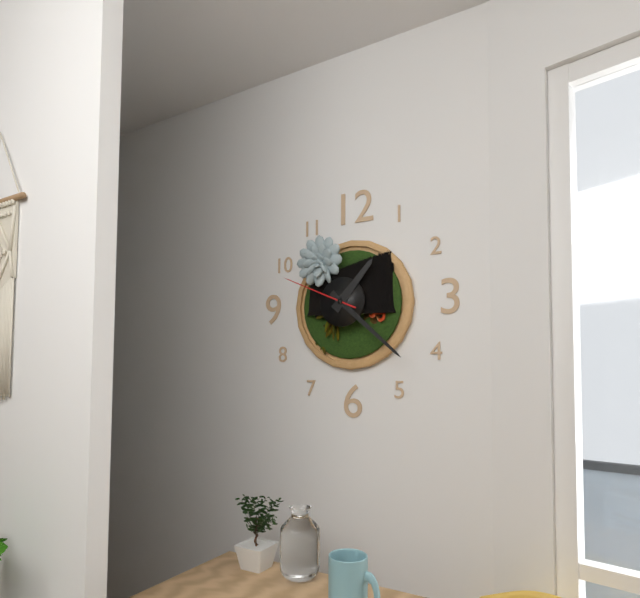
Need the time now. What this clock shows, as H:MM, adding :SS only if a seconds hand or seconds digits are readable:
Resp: 1:22:49
